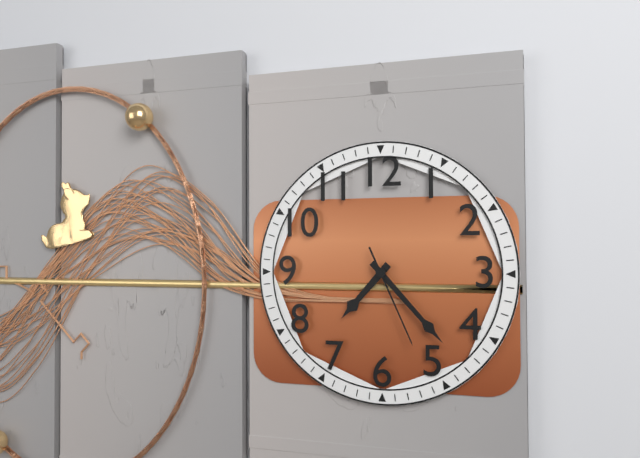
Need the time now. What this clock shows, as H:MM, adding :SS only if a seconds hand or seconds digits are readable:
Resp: 7:23:26
